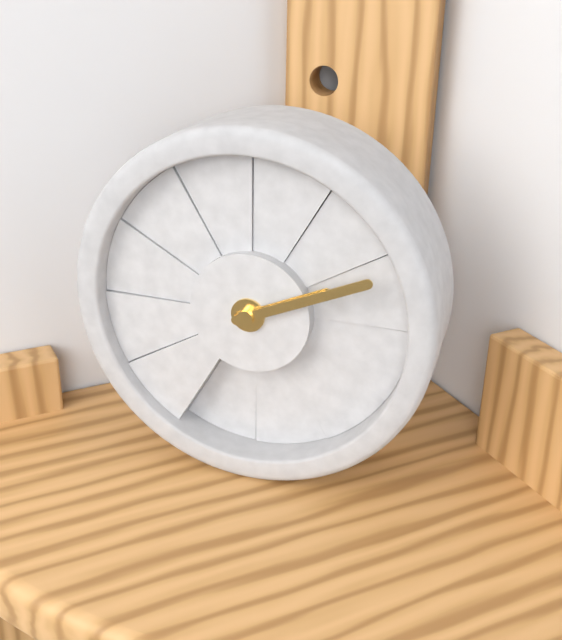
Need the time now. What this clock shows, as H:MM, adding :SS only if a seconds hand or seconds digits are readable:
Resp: 2:11
